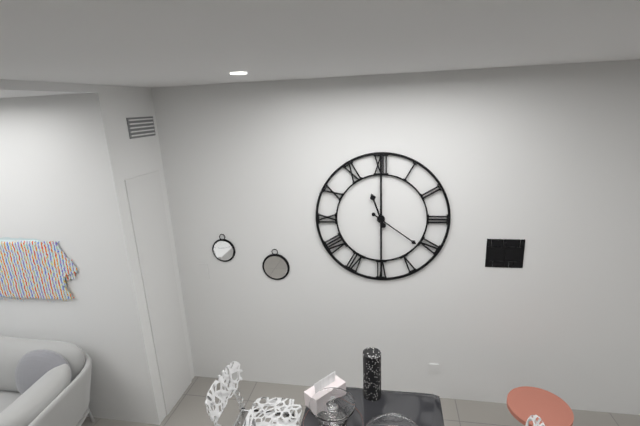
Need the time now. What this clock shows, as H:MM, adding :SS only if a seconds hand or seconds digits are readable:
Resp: 11:21
